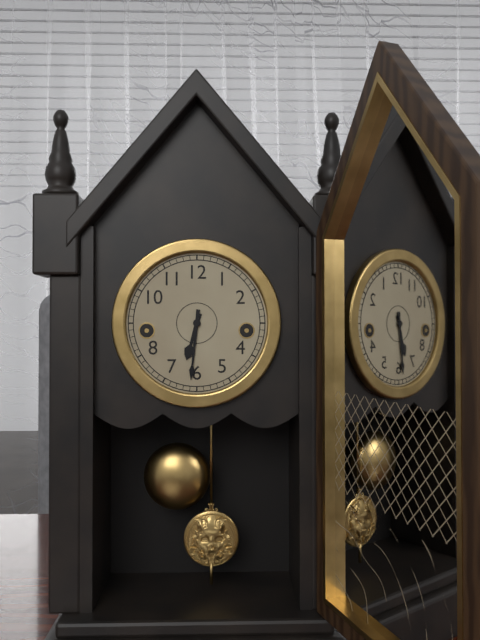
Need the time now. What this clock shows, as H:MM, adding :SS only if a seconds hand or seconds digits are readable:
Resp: 6:31
